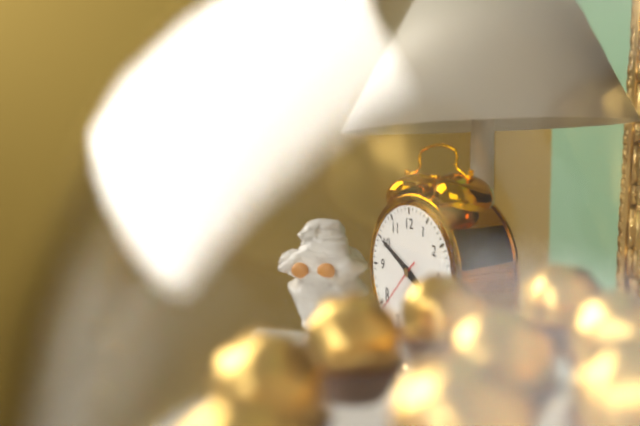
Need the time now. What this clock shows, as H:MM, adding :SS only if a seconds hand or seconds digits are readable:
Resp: 3:50
